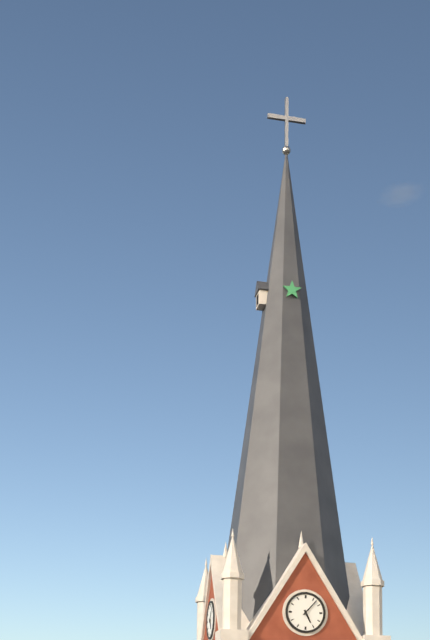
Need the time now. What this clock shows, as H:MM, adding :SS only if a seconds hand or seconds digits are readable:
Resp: 5:07
